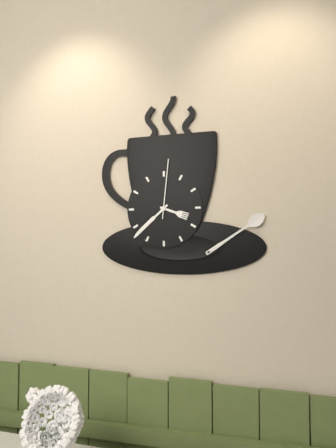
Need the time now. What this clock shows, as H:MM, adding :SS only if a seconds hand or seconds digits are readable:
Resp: 3:38:01
